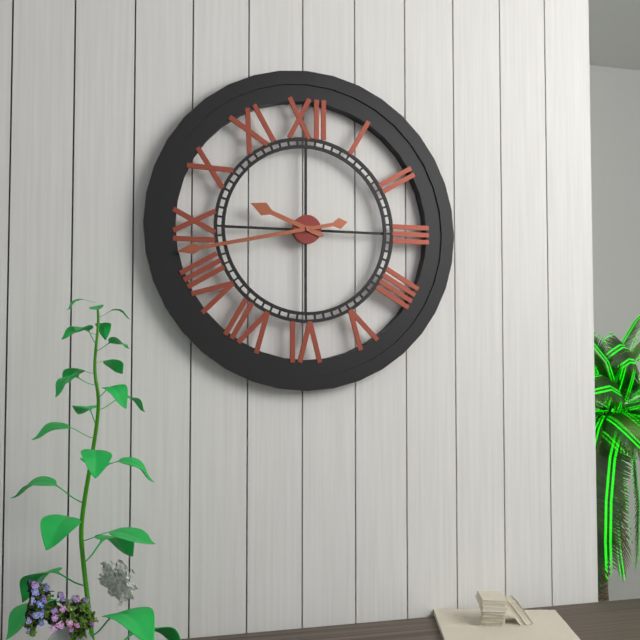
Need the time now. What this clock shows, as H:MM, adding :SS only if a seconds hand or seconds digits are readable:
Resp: 9:43
